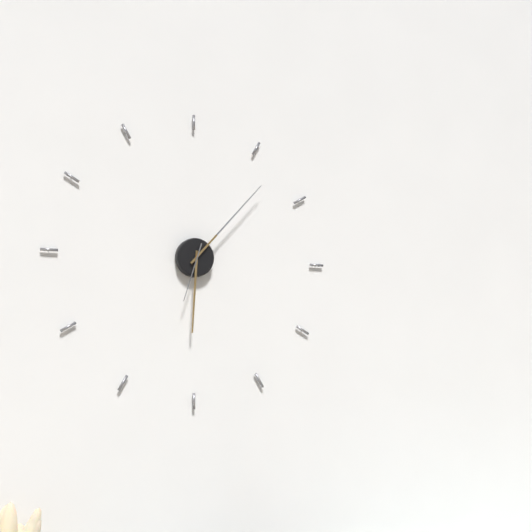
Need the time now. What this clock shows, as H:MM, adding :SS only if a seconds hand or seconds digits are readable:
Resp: 6:07:33
